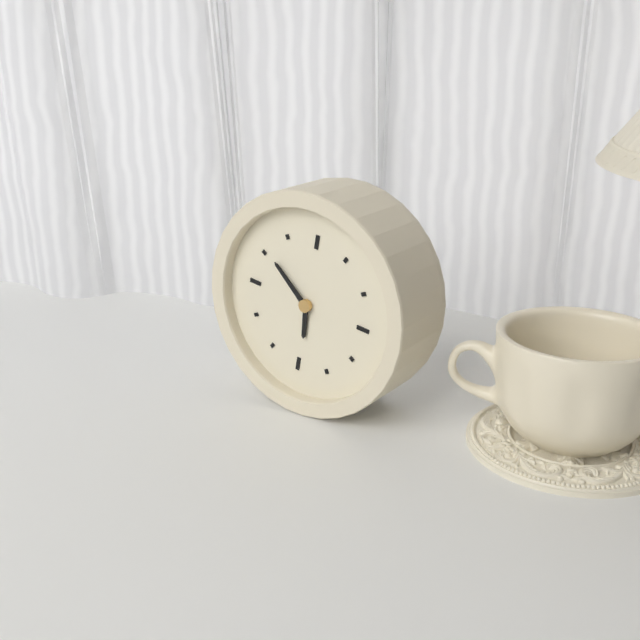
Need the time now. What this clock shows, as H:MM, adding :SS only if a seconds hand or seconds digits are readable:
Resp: 5:51
